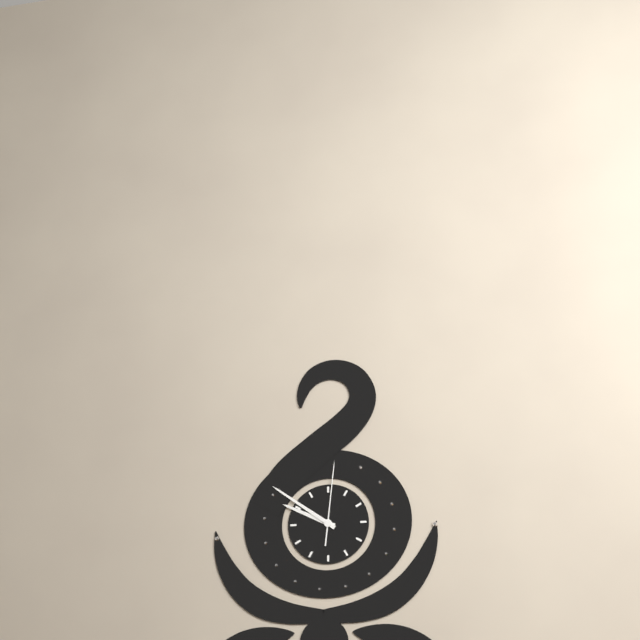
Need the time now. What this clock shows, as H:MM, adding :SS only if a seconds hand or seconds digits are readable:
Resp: 9:51:01
